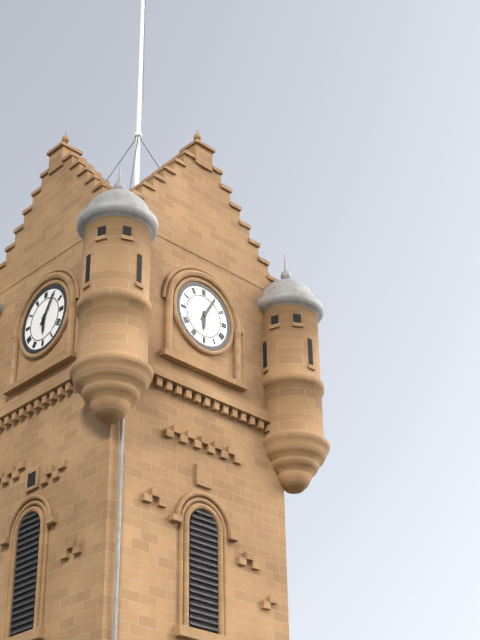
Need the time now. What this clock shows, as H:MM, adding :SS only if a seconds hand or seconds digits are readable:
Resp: 6:05
